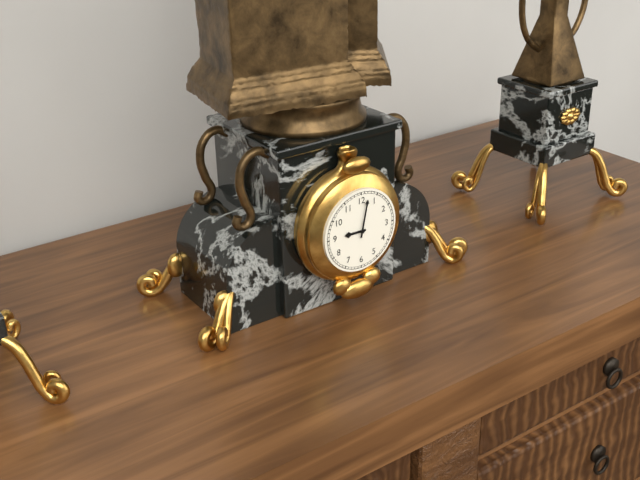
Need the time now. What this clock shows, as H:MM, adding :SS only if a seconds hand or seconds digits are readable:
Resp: 9:02
